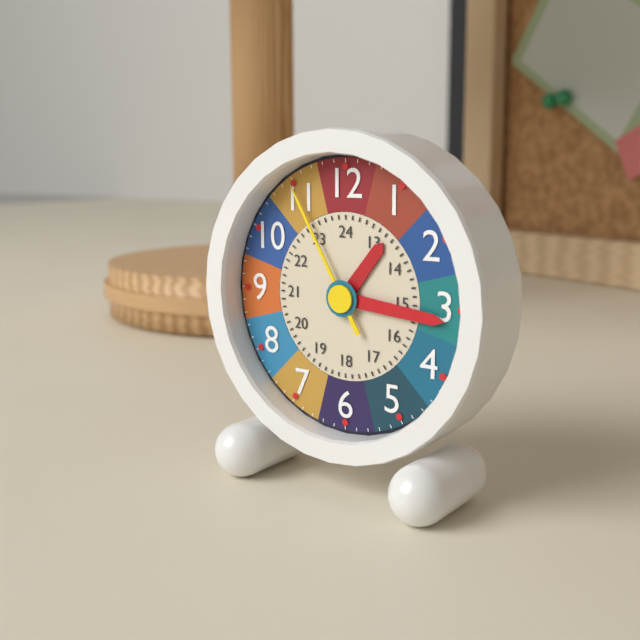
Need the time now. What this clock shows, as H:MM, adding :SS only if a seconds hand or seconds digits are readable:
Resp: 1:16:55
